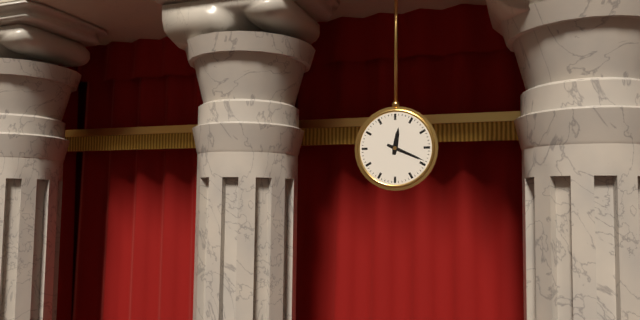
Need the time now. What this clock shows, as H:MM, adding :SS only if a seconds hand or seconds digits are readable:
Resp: 12:19
